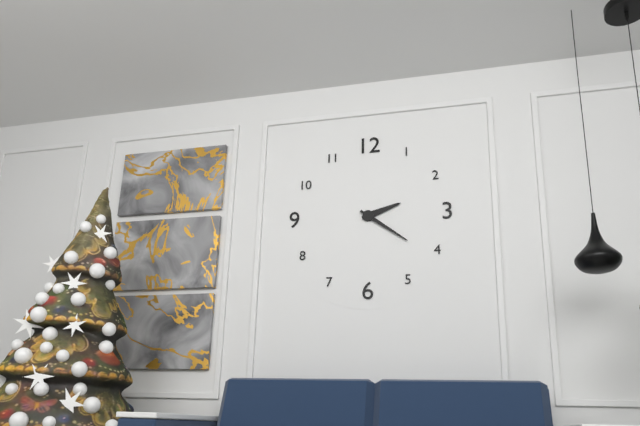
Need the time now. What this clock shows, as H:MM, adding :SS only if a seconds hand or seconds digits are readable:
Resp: 2:21
